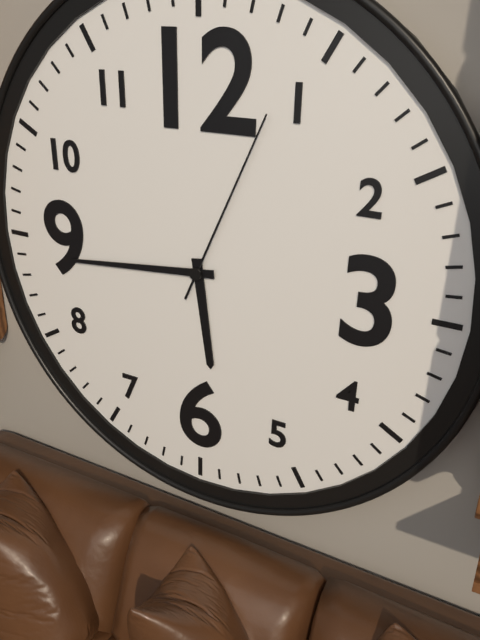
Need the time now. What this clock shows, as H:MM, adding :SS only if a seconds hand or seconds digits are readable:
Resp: 5:44:04
